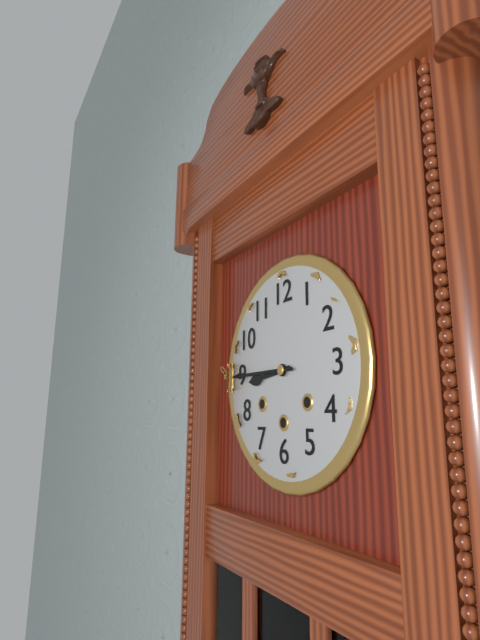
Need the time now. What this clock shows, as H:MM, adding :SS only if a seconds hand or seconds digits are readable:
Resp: 8:45
